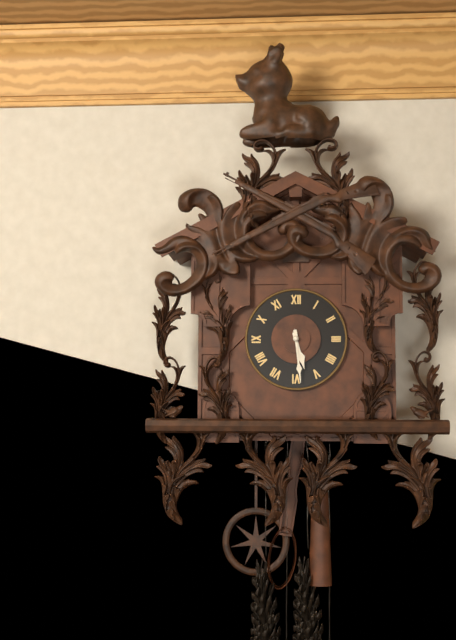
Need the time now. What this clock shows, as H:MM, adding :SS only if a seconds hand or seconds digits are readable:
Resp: 5:29
